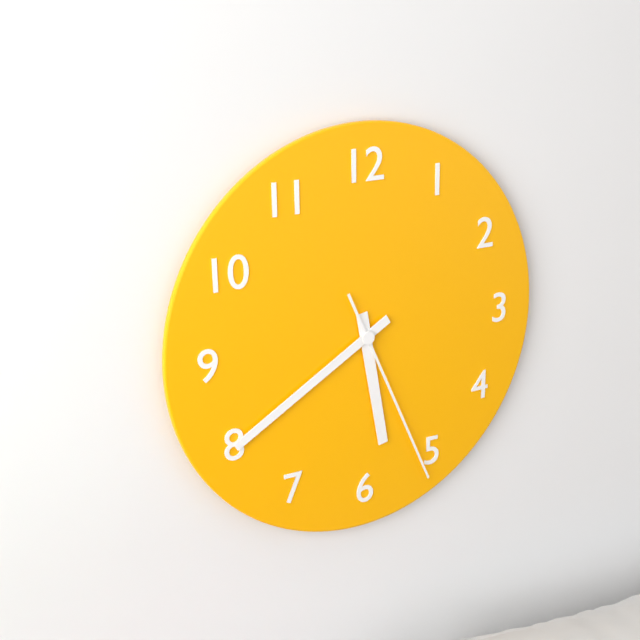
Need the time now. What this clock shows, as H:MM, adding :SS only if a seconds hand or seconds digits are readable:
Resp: 5:40:26
